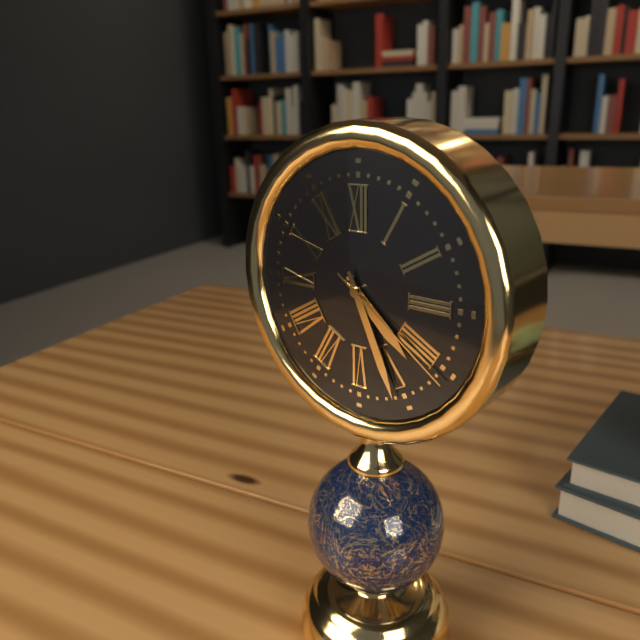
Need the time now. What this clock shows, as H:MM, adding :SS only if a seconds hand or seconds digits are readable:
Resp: 4:26:21
